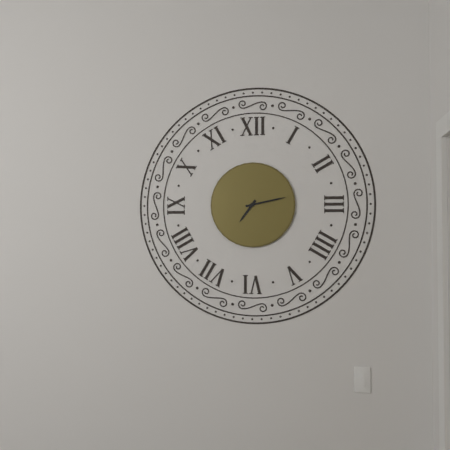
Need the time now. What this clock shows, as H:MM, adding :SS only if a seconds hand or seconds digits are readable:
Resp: 7:13
